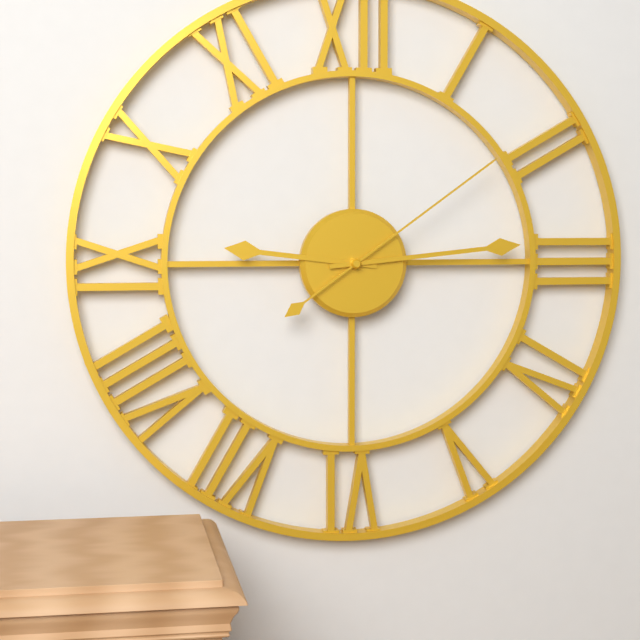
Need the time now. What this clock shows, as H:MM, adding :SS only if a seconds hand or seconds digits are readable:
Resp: 9:14:09
